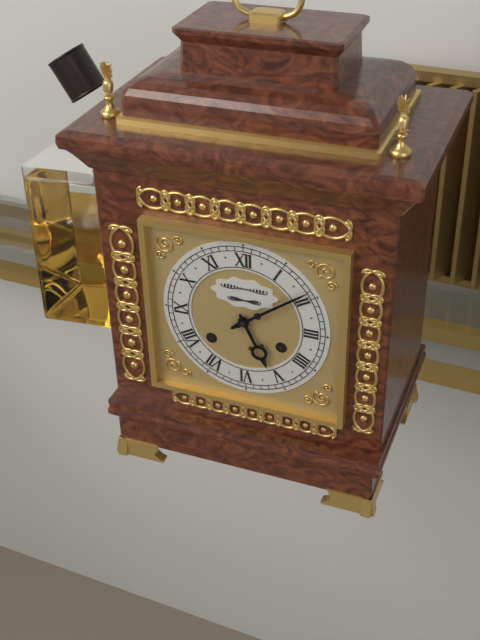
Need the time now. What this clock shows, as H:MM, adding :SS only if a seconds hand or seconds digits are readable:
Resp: 5:09
